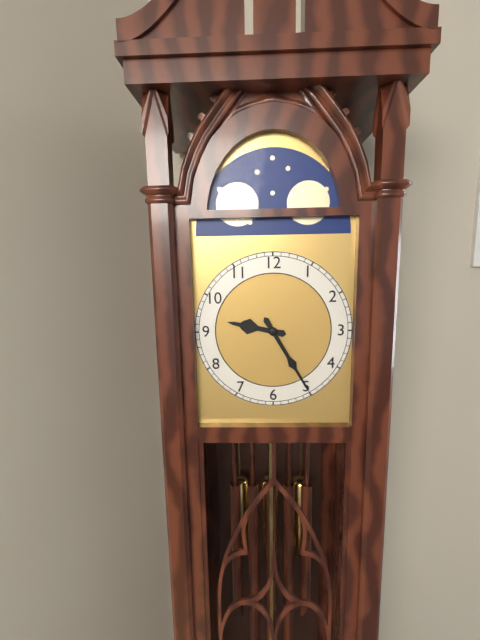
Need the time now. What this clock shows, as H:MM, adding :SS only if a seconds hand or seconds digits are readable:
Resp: 9:25
